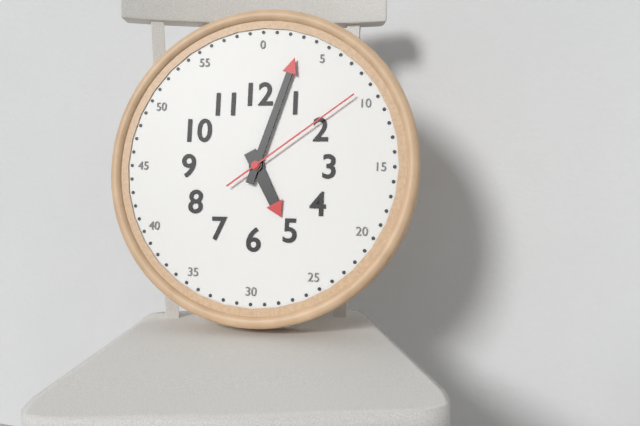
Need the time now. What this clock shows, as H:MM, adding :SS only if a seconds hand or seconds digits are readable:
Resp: 5:03:09
